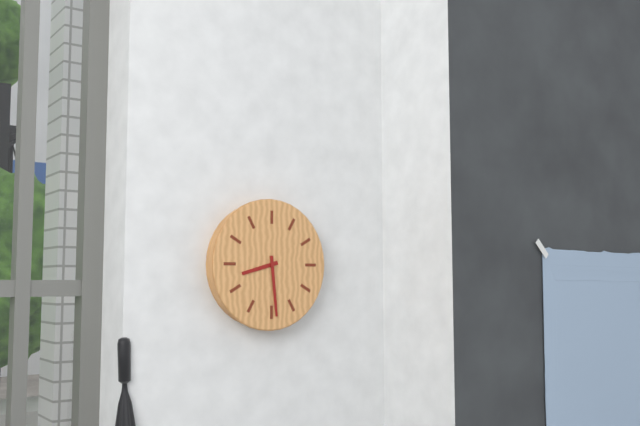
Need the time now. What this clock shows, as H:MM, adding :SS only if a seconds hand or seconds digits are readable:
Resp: 8:29
